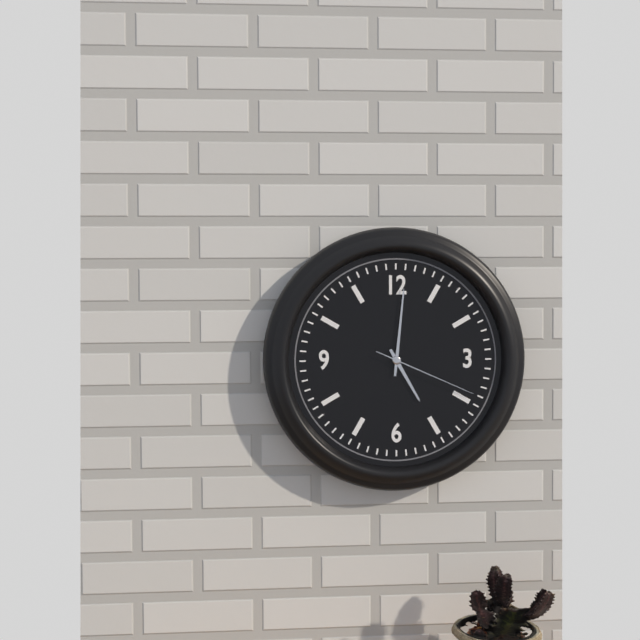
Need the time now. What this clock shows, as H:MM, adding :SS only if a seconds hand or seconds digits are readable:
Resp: 5:01:19
